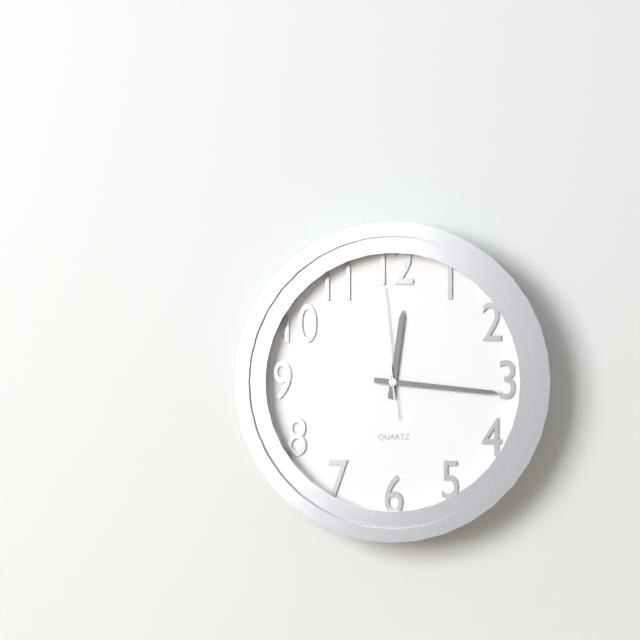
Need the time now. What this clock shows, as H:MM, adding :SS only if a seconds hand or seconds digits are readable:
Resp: 12:16:59
